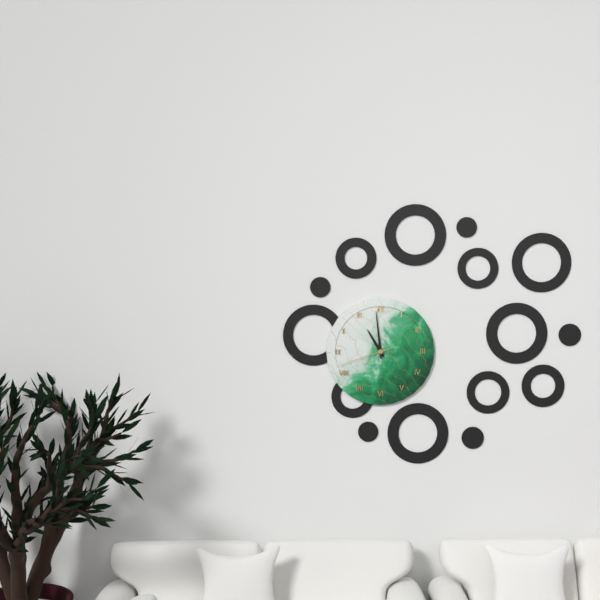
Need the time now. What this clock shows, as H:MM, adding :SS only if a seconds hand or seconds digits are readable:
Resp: 10:59:42
